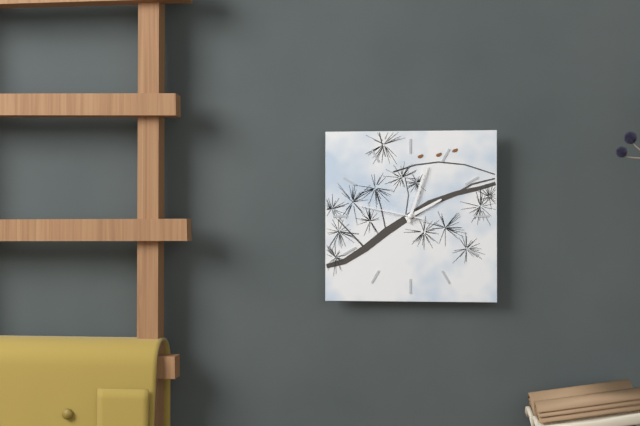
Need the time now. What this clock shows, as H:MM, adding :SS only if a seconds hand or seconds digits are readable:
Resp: 2:03:47
